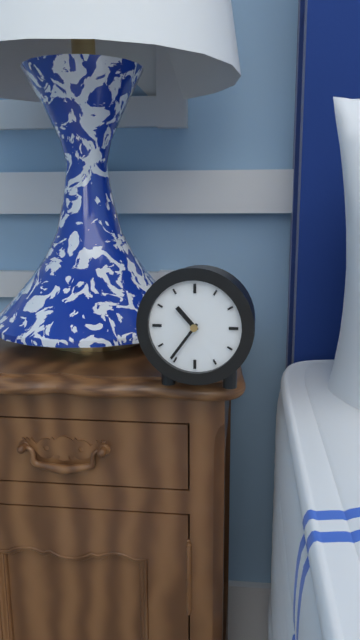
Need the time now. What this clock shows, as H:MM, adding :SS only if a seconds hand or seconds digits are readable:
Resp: 10:36
